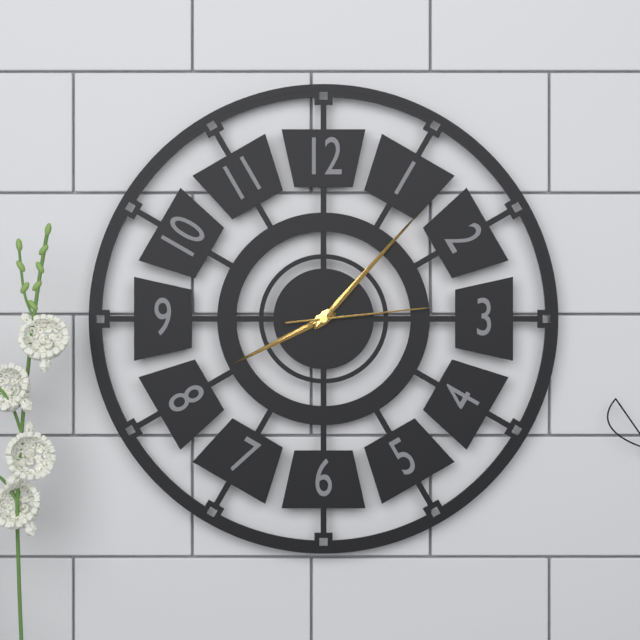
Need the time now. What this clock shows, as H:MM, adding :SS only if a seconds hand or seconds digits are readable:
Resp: 8:07:14
